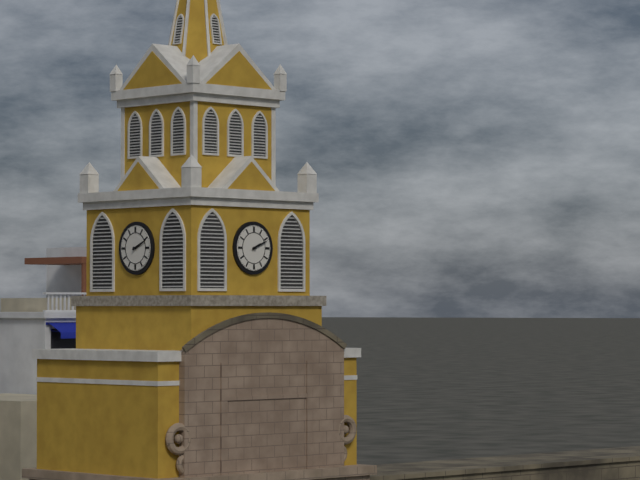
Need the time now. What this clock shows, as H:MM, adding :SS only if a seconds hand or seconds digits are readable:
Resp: 2:11
